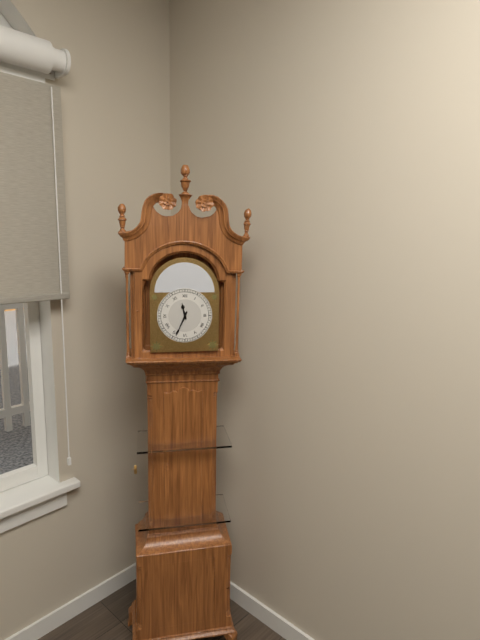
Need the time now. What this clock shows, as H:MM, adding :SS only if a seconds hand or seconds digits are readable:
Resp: 11:34
